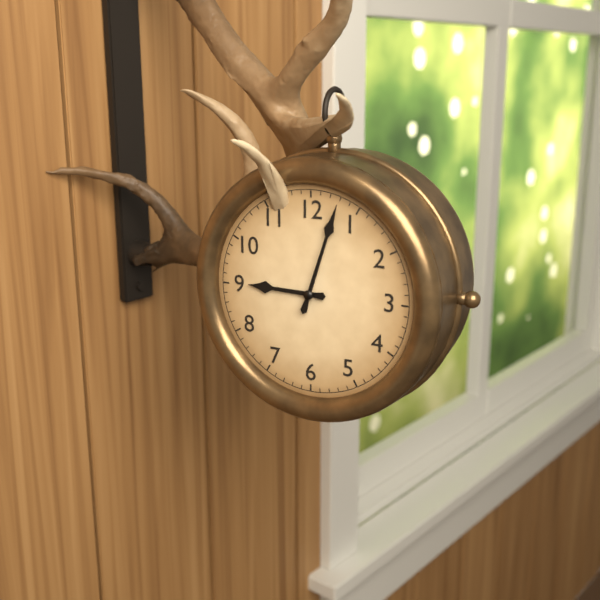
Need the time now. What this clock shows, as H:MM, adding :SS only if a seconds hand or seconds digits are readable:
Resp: 9:03
